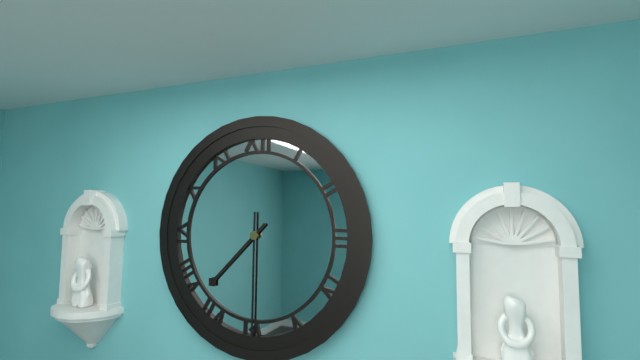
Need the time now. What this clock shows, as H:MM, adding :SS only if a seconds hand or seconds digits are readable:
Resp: 7:30
